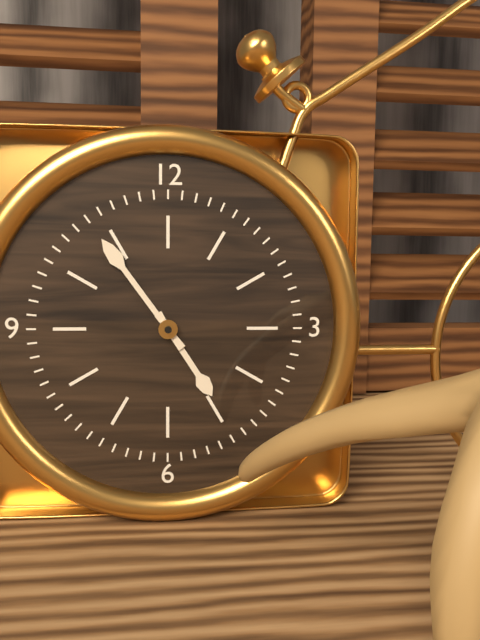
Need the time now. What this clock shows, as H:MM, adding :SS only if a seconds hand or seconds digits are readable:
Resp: 4:54
